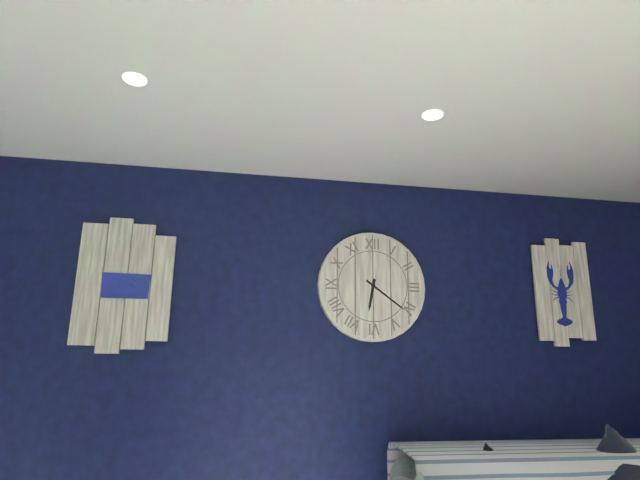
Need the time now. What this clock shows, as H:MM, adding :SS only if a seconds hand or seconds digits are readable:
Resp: 6:21
